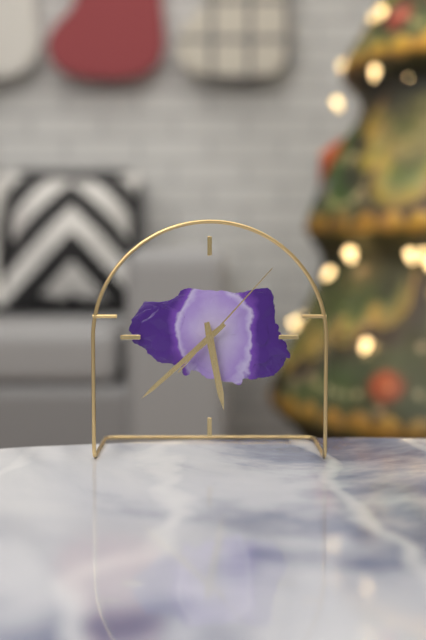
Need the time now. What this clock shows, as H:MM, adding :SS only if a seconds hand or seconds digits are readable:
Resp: 5:38:07
